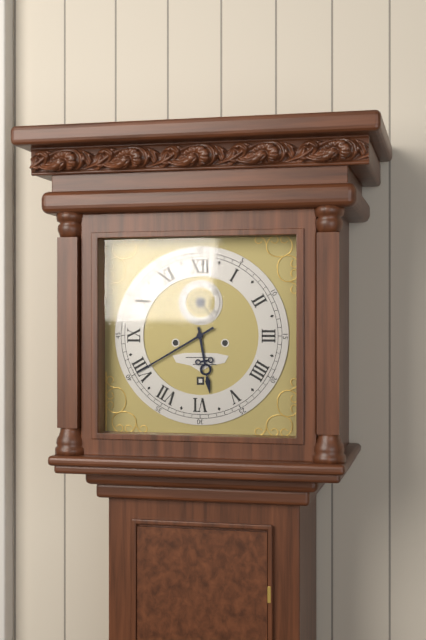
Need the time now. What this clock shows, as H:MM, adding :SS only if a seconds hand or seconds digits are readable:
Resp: 5:40
